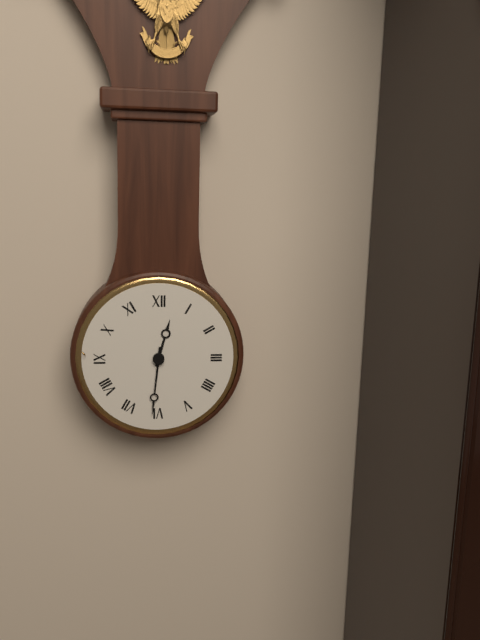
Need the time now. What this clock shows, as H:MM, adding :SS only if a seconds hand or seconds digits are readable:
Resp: 12:31
